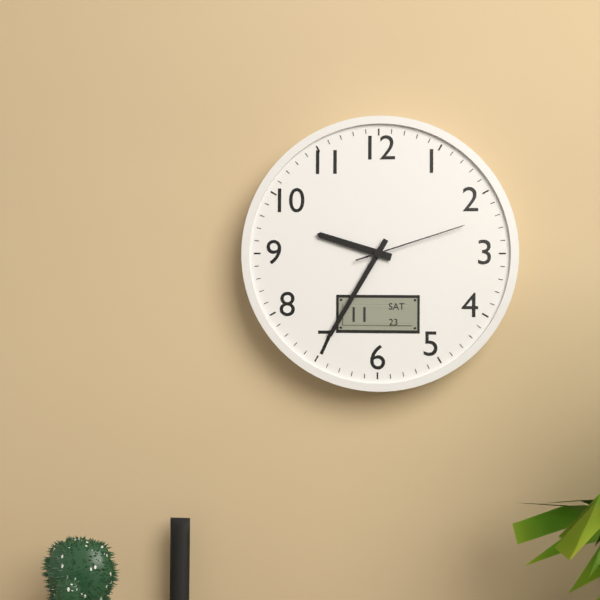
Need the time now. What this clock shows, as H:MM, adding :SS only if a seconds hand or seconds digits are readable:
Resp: 9:35:12
